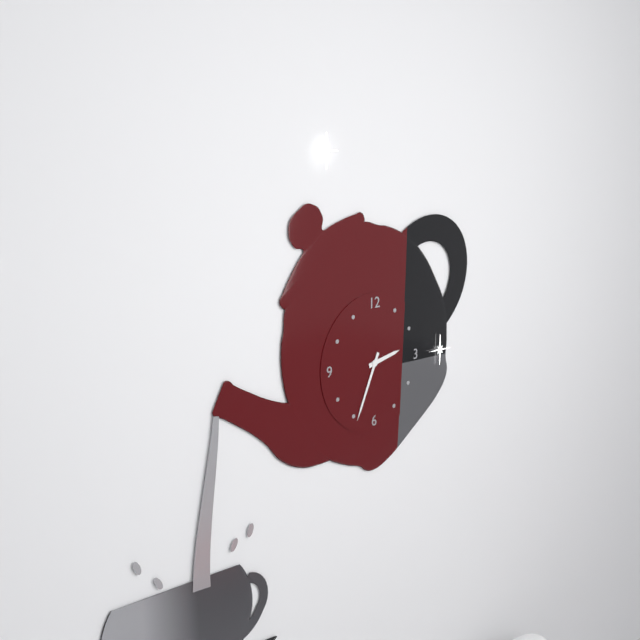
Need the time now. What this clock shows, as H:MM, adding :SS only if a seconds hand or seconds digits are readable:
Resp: 2:34
